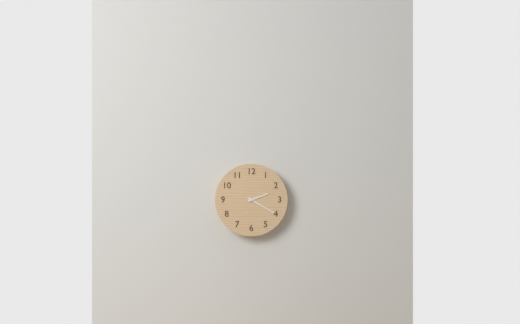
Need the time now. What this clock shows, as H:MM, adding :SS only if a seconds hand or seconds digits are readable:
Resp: 2:20
